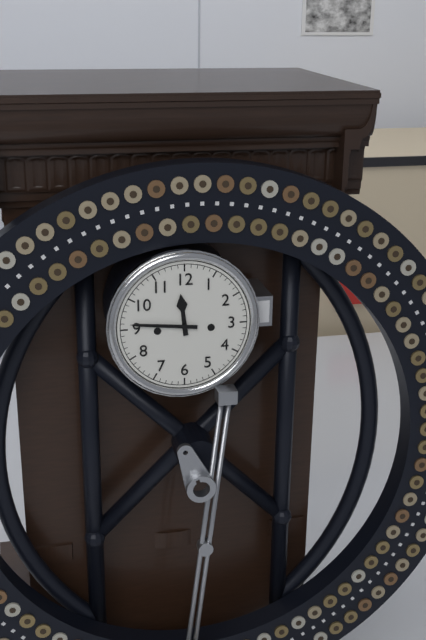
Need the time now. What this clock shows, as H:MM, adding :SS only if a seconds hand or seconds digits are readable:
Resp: 11:46
